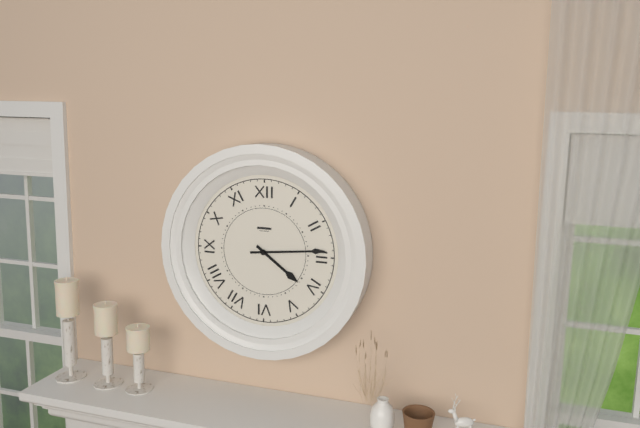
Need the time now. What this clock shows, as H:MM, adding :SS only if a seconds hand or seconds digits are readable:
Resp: 4:14
